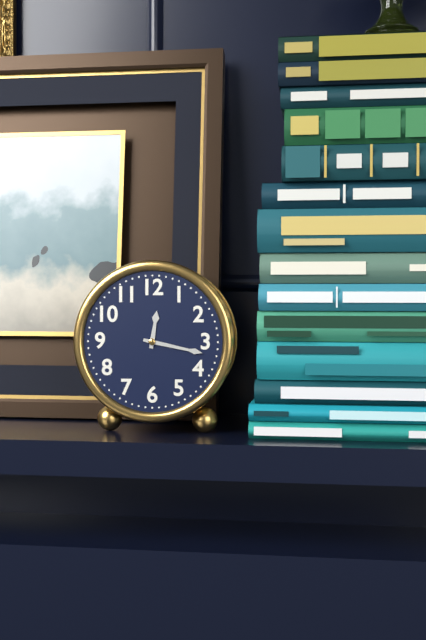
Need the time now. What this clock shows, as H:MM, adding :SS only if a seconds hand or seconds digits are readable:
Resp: 12:17
